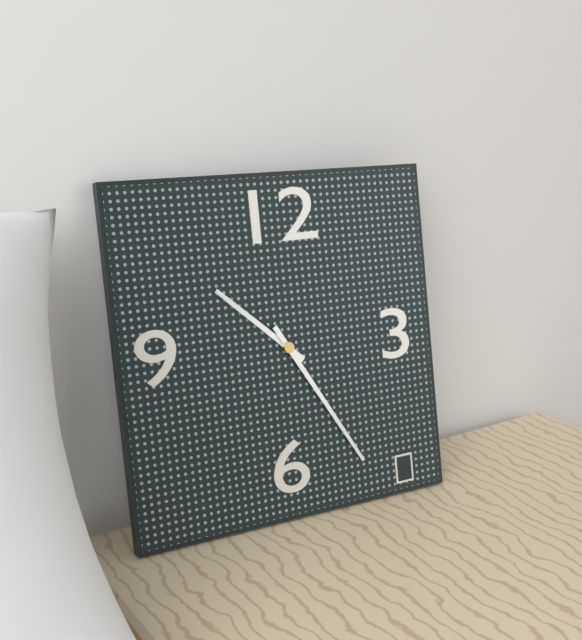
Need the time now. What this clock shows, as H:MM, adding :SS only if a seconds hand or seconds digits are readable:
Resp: 10:25
